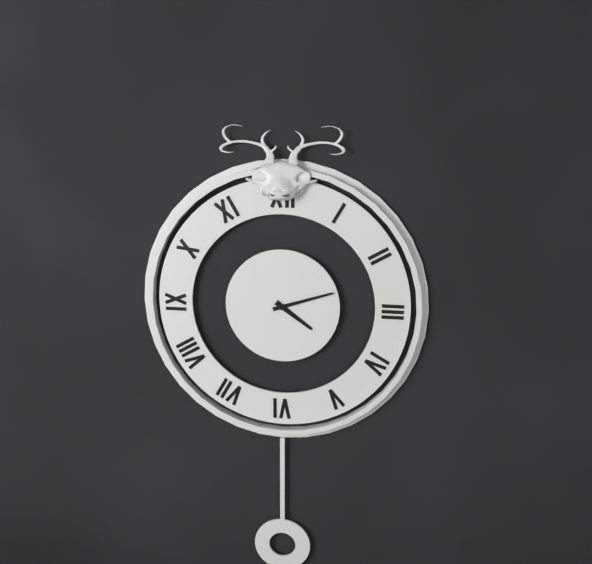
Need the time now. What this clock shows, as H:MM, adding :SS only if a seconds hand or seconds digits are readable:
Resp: 4:12
